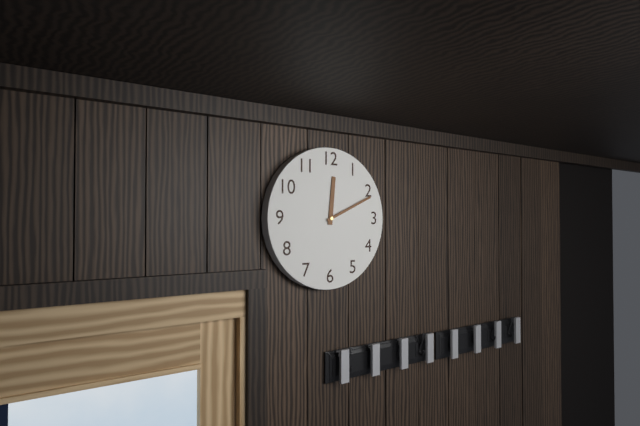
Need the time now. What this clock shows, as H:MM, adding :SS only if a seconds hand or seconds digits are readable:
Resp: 12:11
